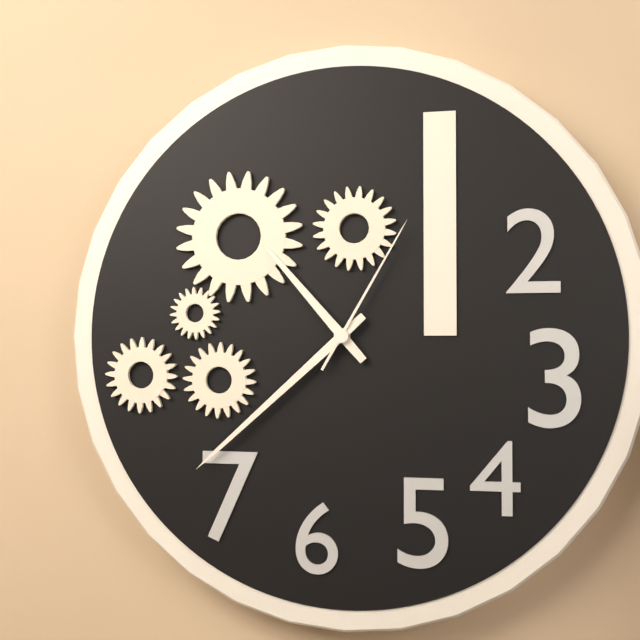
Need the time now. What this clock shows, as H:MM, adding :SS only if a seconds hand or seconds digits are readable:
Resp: 10:38:05
